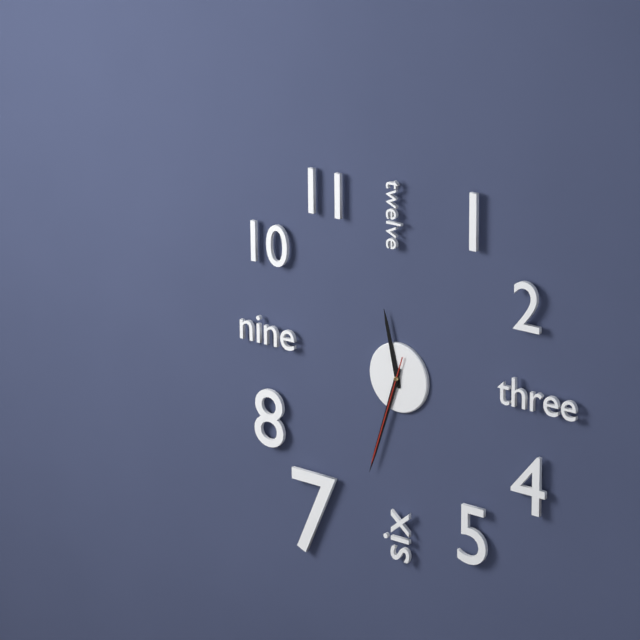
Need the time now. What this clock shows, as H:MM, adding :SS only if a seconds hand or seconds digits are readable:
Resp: 11:33:33
